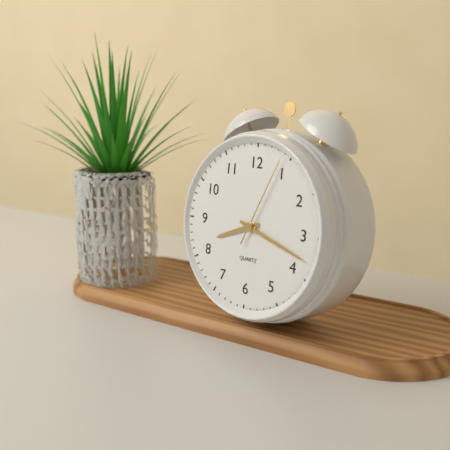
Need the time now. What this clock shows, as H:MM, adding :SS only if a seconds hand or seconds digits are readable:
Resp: 8:18:04
